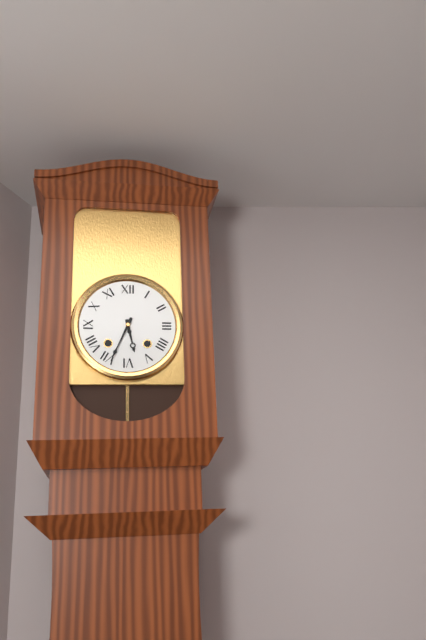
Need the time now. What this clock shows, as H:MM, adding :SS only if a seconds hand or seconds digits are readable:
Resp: 5:34
